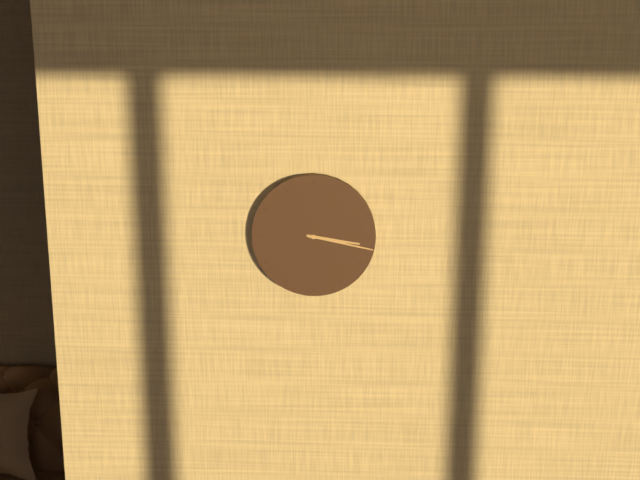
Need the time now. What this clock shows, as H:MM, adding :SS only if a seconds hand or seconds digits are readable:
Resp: 3:17
